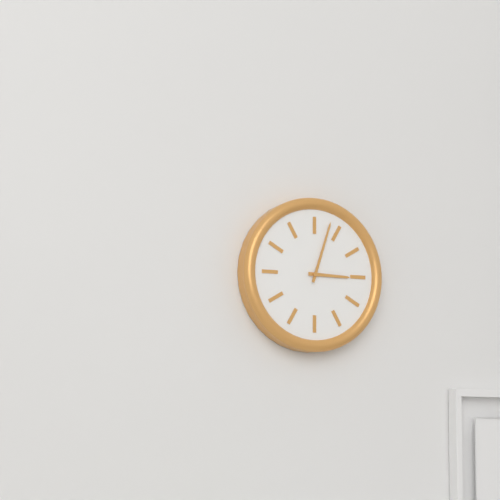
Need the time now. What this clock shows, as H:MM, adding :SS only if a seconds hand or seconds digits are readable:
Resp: 3:03
